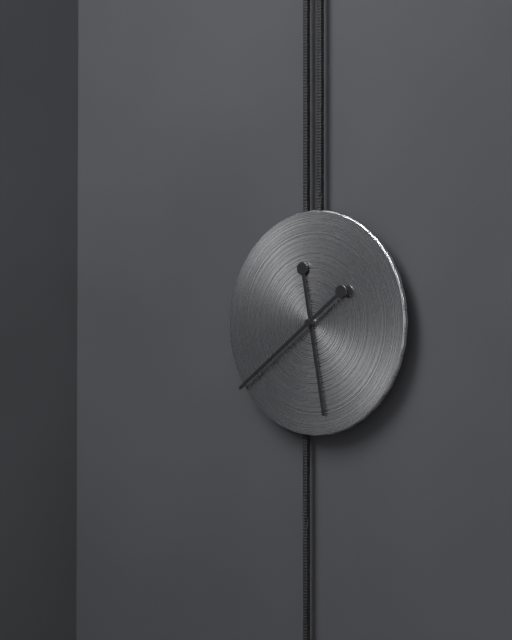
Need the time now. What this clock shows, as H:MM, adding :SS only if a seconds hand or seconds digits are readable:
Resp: 5:39
